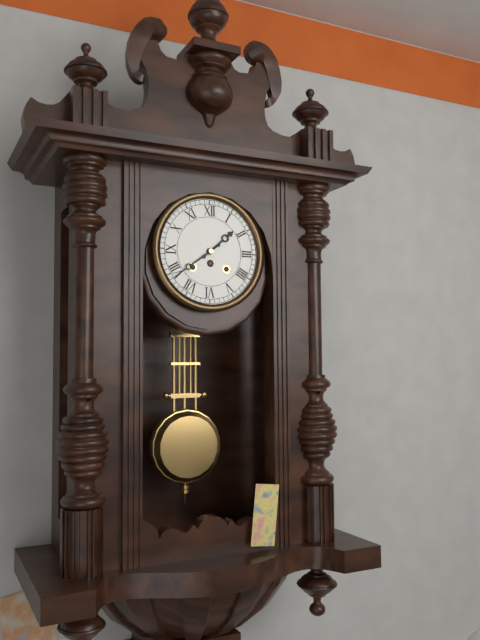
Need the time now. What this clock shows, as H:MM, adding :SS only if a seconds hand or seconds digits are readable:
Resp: 1:39
